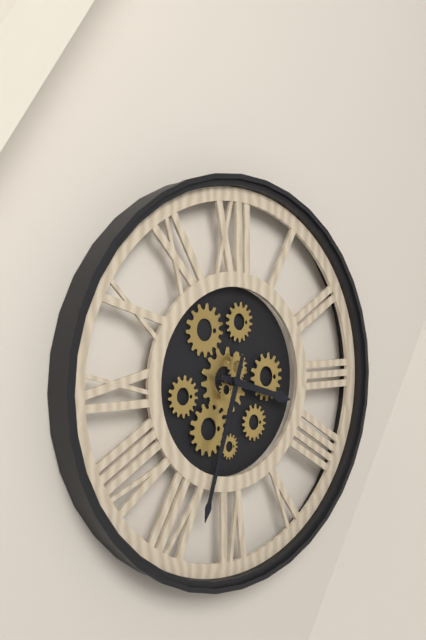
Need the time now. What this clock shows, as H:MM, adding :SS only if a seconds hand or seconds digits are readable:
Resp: 3:33
